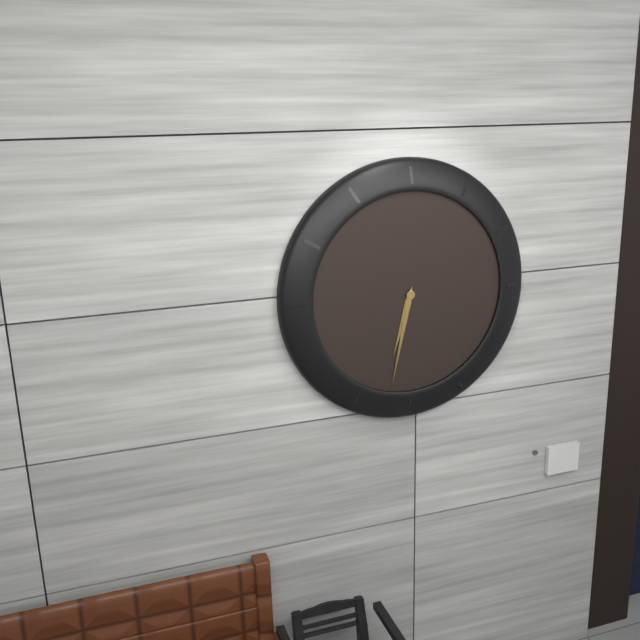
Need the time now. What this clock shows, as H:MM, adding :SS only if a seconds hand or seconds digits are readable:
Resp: 6:32
